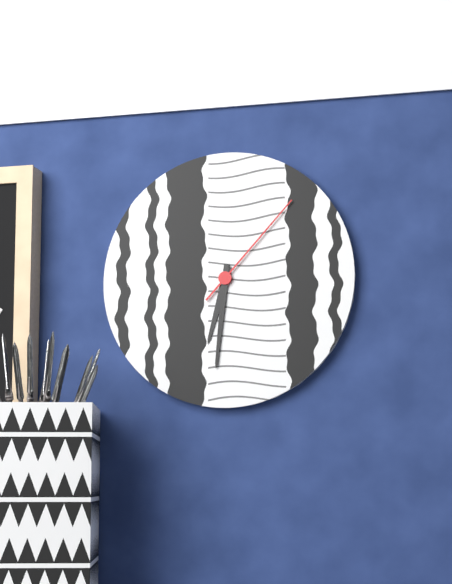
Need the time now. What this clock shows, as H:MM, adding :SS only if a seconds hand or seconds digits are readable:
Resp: 6:31:07
